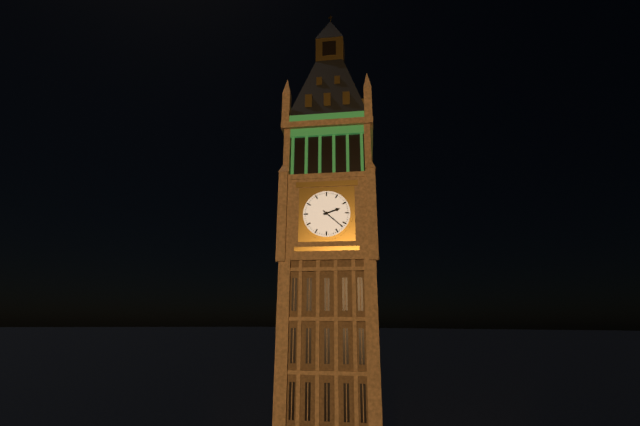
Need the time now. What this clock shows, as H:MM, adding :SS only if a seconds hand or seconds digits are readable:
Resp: 2:22
